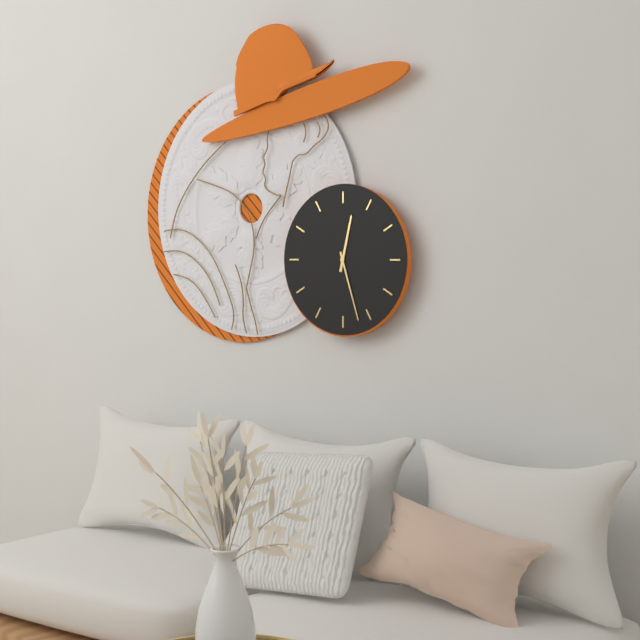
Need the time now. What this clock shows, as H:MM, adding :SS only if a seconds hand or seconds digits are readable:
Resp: 12:27
